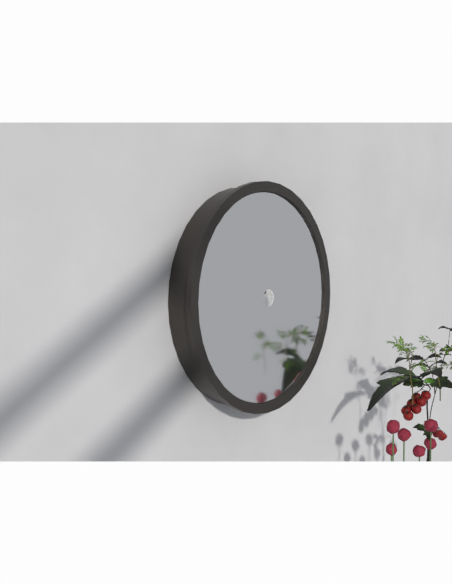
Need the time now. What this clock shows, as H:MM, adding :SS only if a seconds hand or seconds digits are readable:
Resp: 8:06
